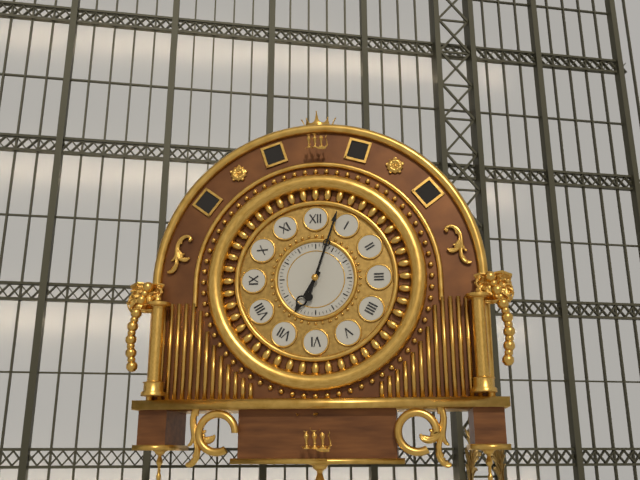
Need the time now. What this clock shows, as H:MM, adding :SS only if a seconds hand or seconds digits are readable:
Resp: 7:03
